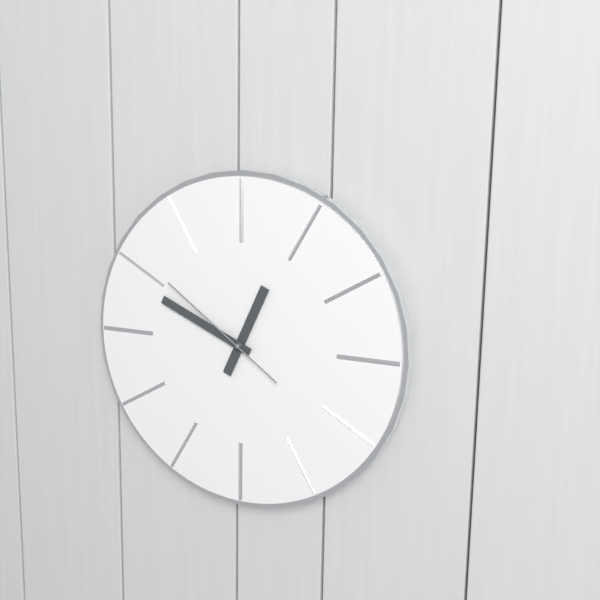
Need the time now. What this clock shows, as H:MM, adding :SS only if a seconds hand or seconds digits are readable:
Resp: 12:49:51
